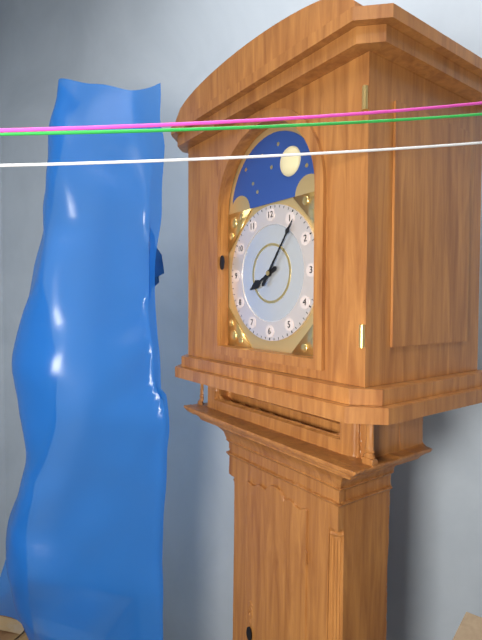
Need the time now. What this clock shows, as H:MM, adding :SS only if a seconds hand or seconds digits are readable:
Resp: 8:06
